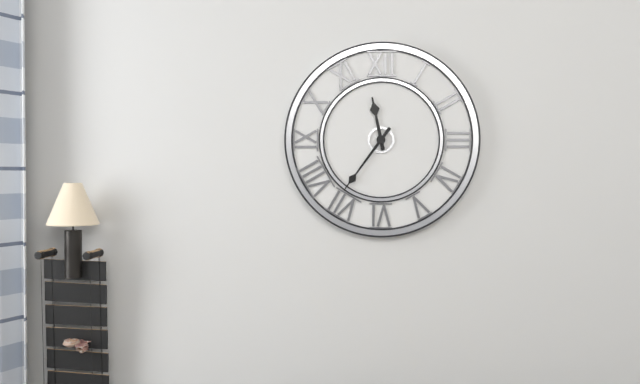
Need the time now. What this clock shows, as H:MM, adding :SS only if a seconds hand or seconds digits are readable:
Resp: 11:36
